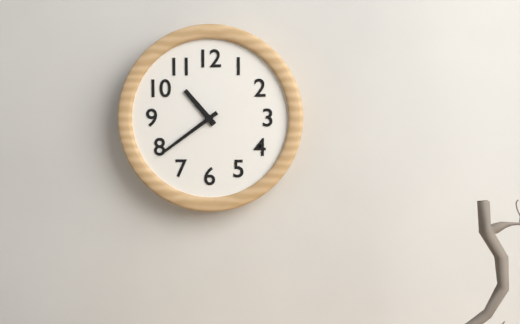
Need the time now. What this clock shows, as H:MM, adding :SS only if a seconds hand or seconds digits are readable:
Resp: 10:39
